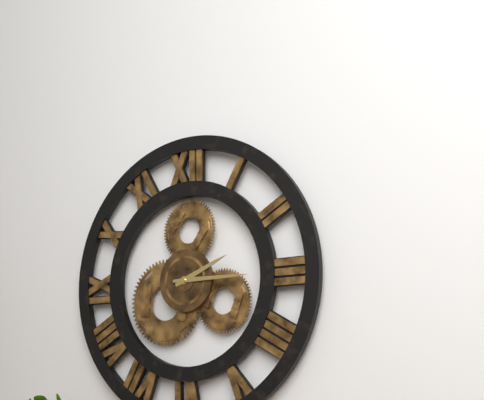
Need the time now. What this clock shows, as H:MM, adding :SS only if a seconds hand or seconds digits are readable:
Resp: 2:15
